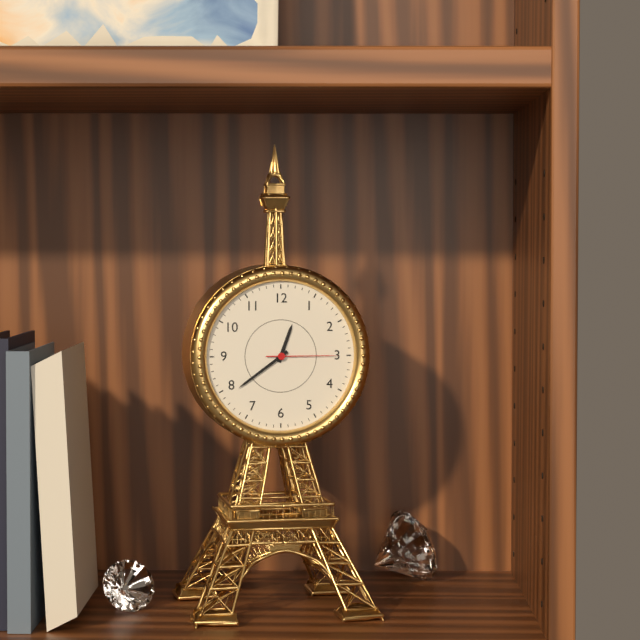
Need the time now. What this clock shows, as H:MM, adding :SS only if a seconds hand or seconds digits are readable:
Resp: 12:39:15
